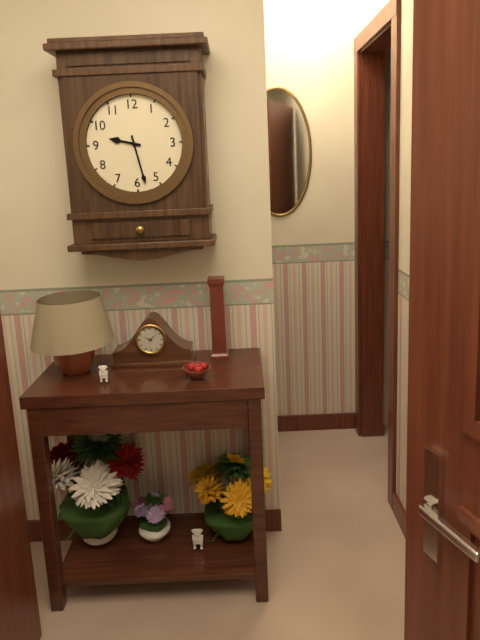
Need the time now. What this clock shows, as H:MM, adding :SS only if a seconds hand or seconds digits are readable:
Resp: 9:28
